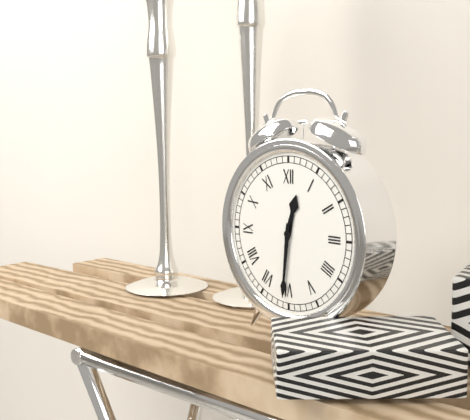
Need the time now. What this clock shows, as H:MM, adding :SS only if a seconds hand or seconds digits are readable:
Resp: 12:31
